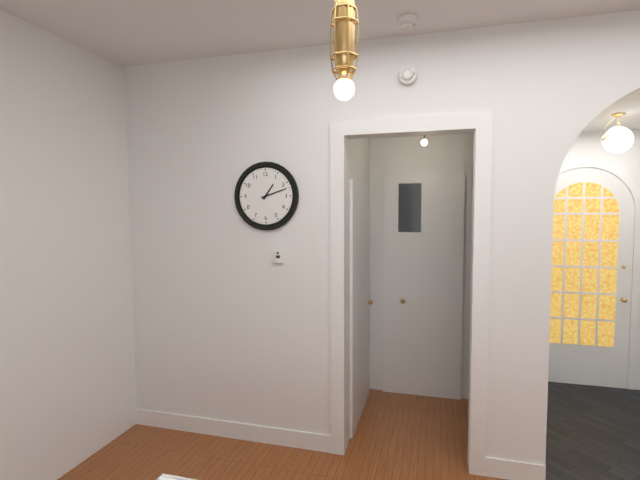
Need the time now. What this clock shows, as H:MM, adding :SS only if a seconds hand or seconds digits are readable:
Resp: 1:12
